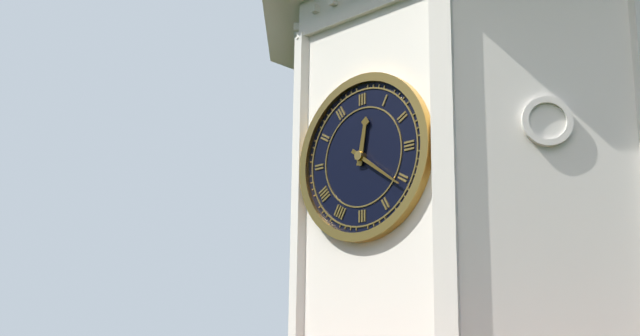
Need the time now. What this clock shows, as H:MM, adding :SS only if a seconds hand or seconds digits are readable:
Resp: 12:21
